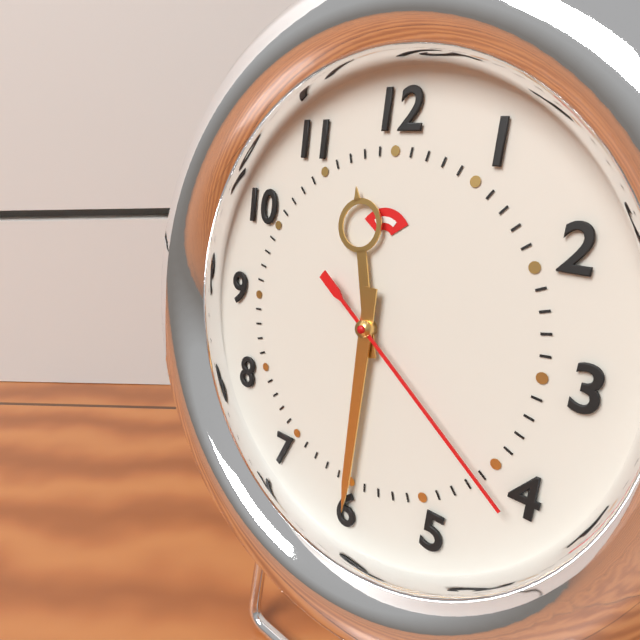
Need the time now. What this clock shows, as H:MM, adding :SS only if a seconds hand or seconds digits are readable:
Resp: 11:30:21
